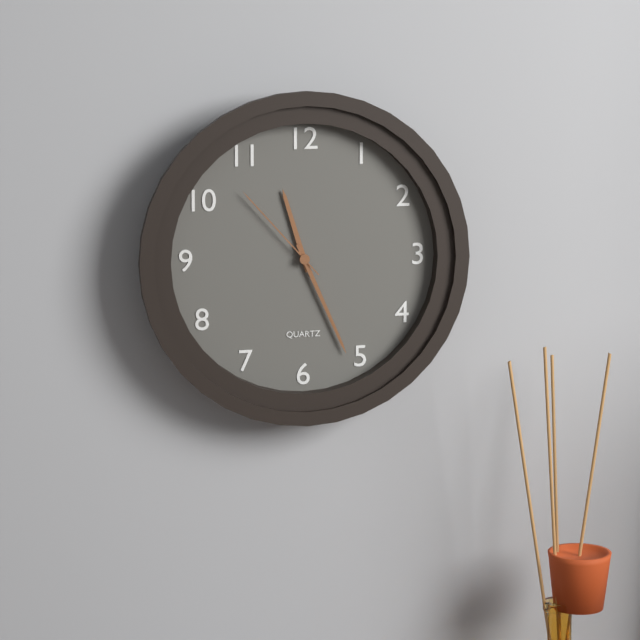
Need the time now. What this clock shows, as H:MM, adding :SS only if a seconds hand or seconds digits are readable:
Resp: 11:26:53
